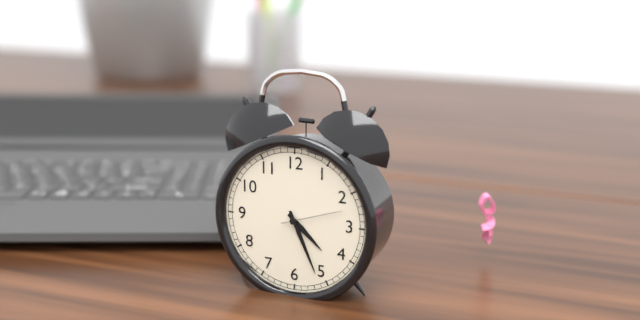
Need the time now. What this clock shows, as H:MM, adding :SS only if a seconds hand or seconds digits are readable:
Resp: 4:26:12
